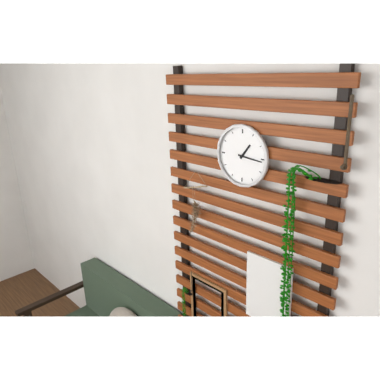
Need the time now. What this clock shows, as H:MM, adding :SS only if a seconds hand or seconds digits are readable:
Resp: 1:16
